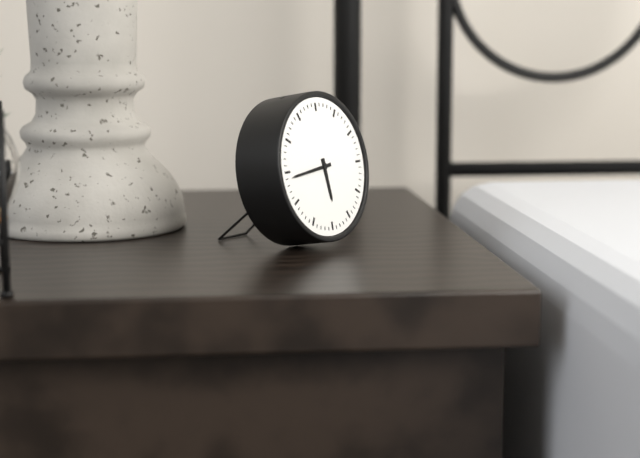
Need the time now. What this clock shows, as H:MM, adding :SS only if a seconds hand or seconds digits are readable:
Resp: 5:44
